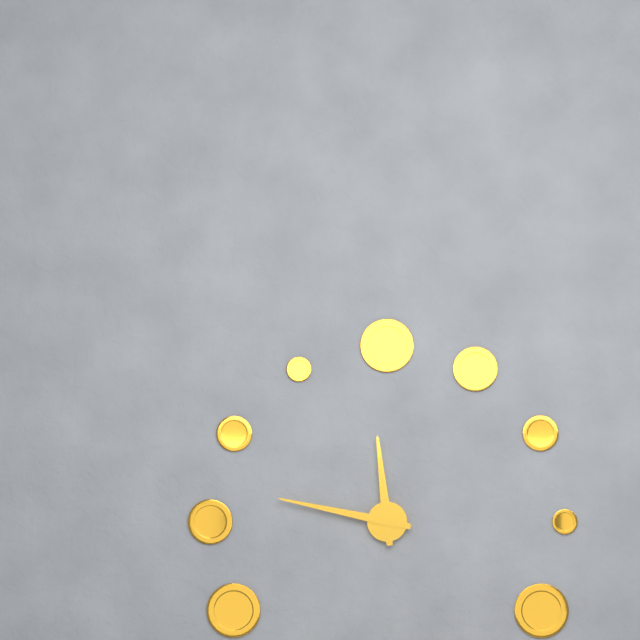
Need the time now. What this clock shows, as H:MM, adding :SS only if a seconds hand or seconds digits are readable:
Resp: 11:47
